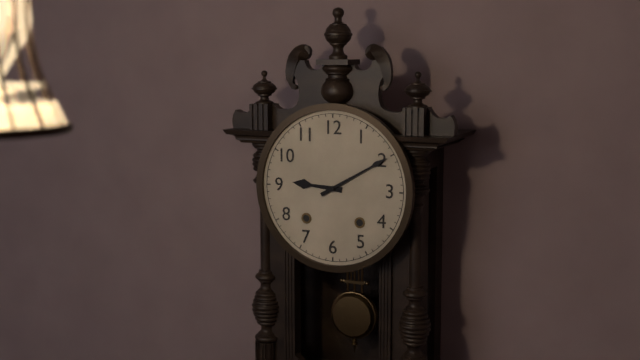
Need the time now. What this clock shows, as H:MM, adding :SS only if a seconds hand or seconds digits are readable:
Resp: 9:10
